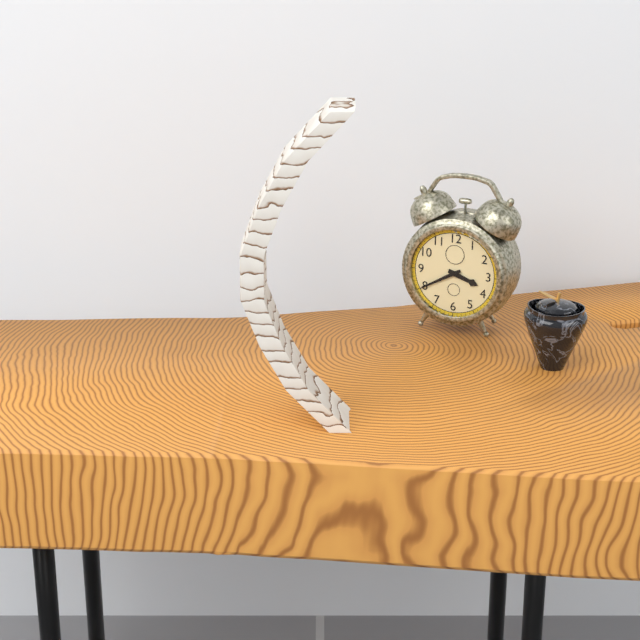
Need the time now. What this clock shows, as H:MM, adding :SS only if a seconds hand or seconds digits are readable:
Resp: 3:40
